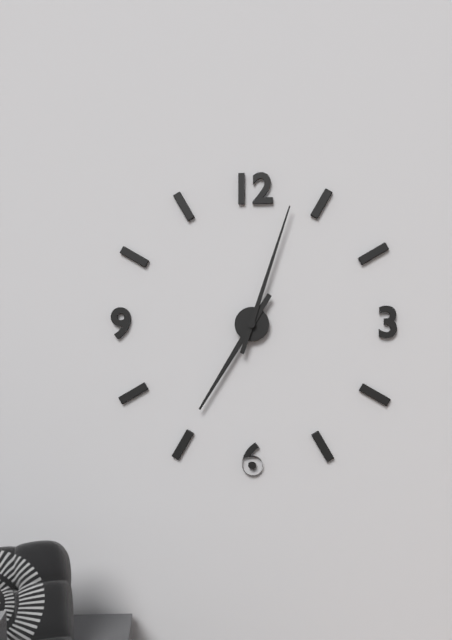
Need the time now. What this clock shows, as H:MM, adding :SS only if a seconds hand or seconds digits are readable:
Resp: 7:03
